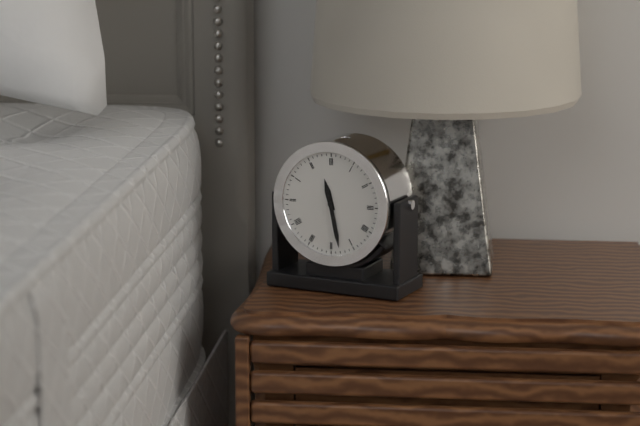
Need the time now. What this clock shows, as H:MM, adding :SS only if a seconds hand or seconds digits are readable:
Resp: 11:28
